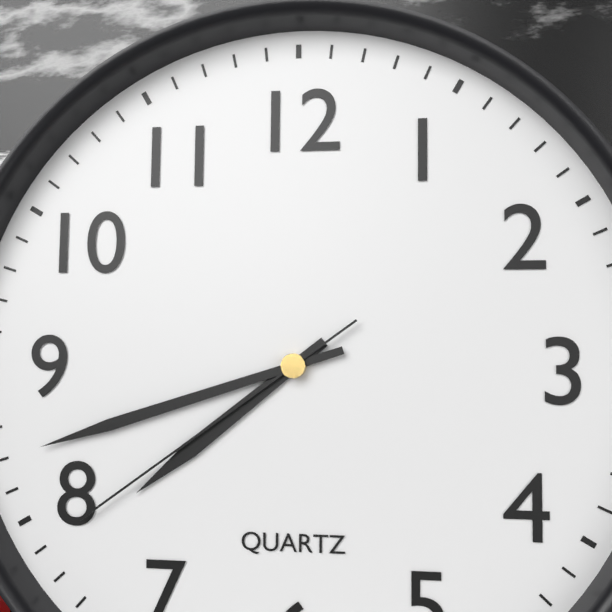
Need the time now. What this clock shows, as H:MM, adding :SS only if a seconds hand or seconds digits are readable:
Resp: 7:42:39
